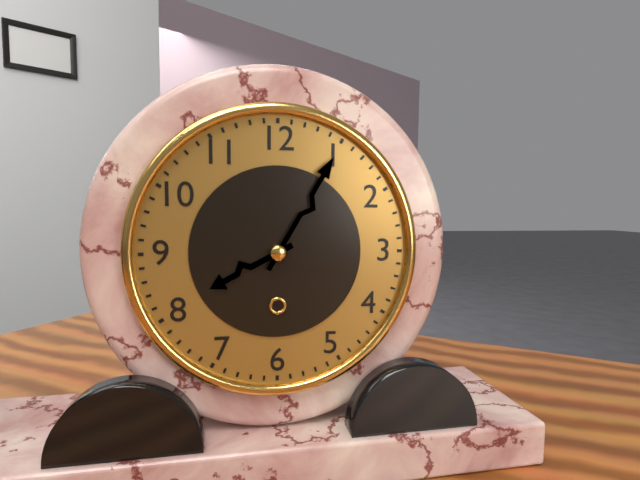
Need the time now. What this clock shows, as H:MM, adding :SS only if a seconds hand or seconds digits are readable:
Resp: 8:05
